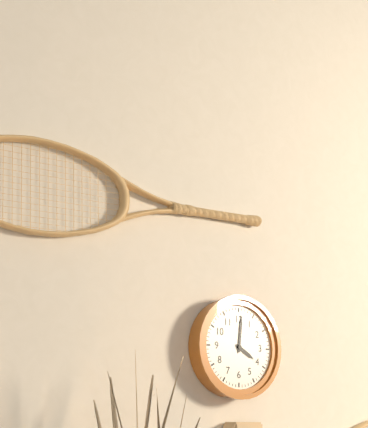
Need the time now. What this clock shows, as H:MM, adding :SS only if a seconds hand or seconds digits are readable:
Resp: 4:01
